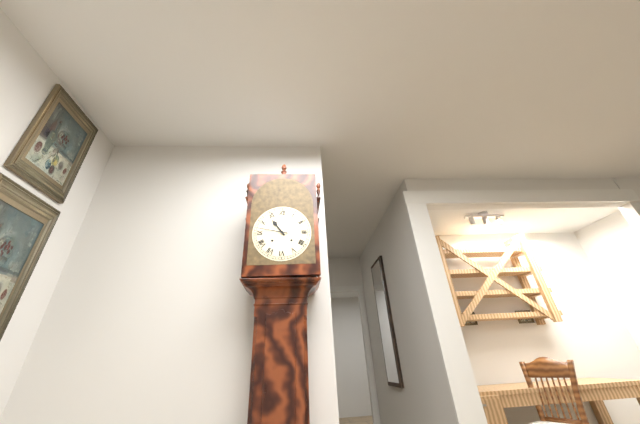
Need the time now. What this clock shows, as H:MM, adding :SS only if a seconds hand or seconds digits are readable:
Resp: 10:47
